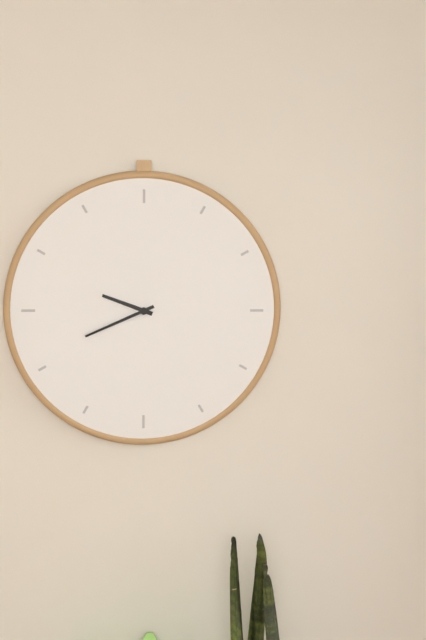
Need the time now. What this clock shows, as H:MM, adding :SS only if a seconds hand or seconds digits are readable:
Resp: 9:41
